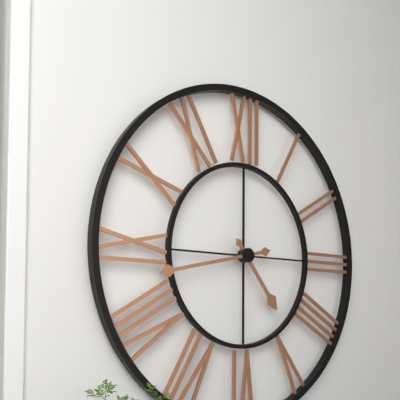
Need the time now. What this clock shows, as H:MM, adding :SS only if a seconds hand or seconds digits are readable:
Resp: 4:43
